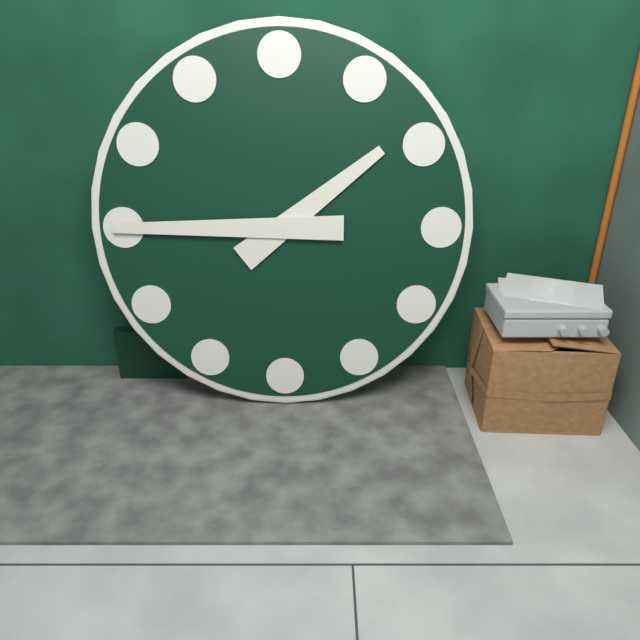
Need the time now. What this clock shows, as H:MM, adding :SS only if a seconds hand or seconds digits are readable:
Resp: 1:45
